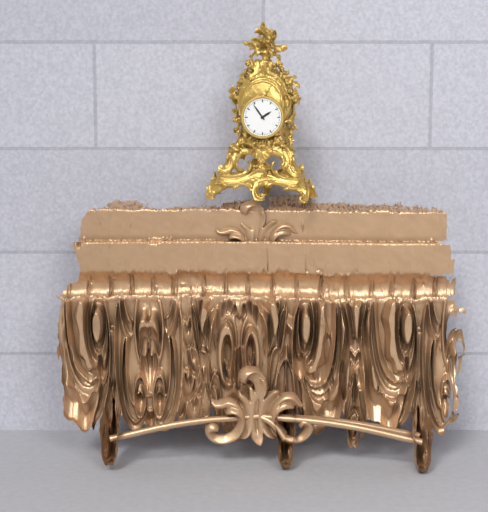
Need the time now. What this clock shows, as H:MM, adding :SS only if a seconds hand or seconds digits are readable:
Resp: 1:54
